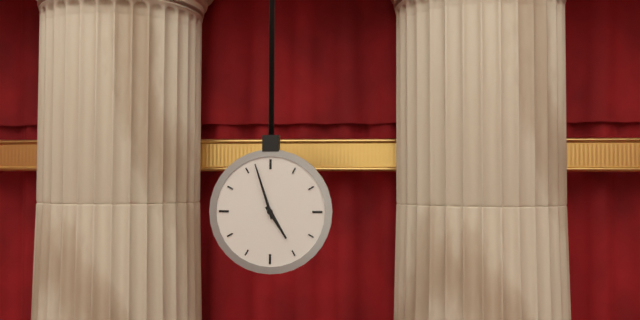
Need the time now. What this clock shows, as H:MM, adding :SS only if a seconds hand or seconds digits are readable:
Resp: 4:57
